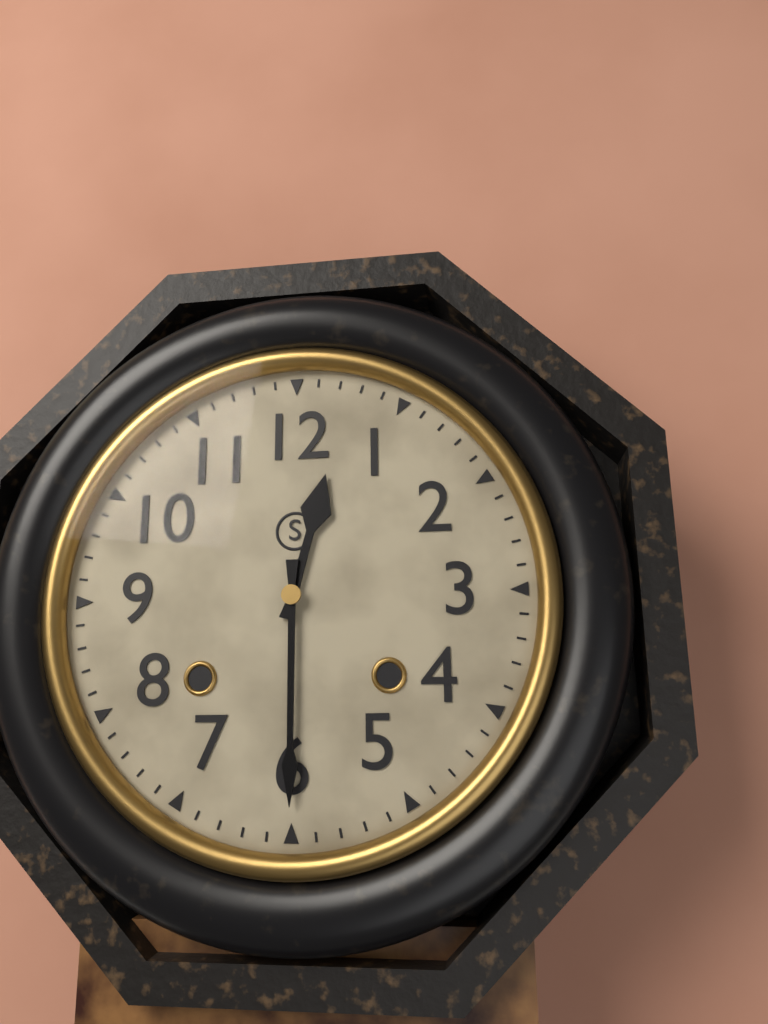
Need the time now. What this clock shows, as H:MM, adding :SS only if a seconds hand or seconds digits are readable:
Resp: 12:30
